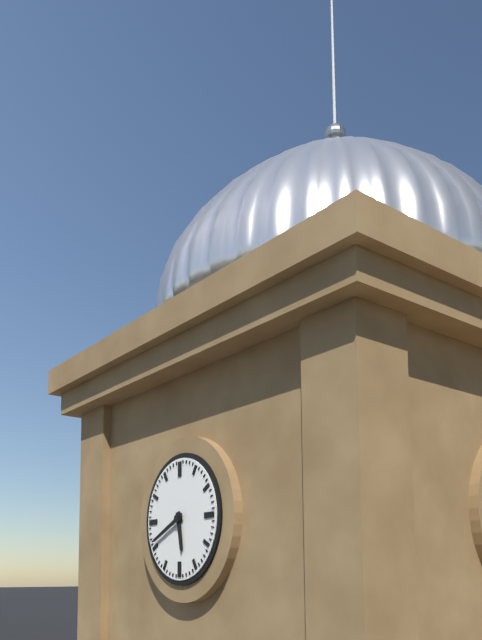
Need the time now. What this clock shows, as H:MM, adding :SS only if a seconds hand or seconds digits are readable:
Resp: 5:41
